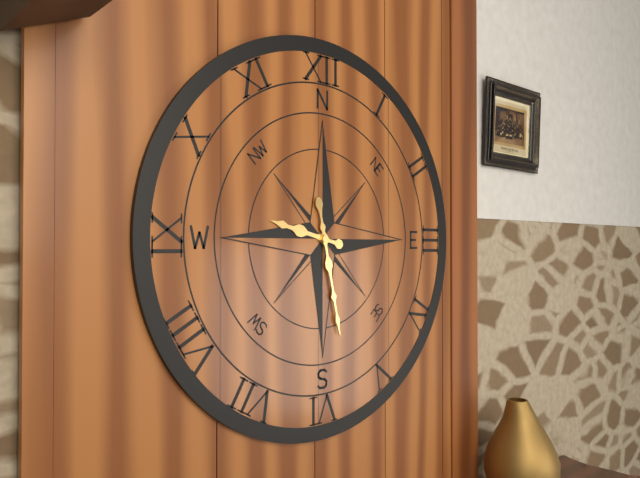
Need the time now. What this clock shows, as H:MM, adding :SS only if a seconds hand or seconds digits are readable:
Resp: 9:28
